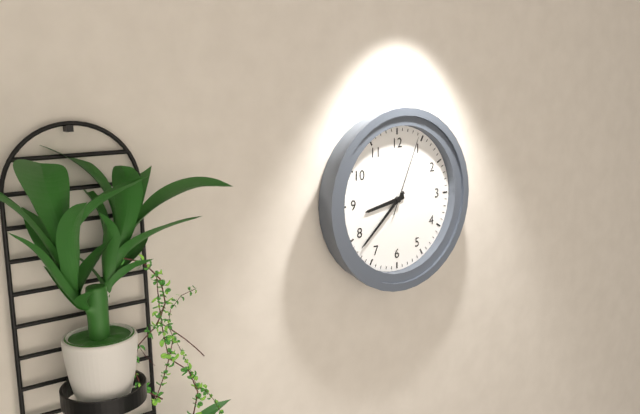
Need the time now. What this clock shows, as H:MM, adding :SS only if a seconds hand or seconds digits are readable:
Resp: 8:38:04
